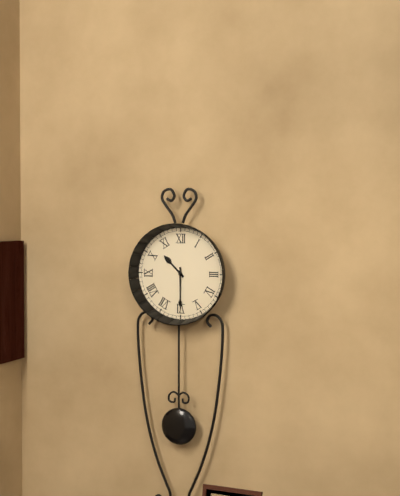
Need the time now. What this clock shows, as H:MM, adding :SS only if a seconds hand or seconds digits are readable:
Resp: 10:30
